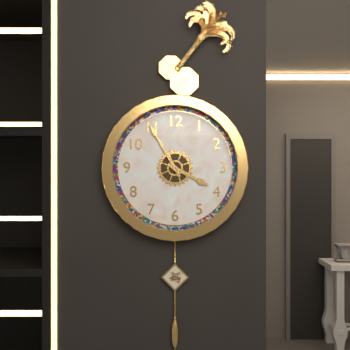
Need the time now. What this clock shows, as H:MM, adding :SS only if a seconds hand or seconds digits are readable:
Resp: 3:55
